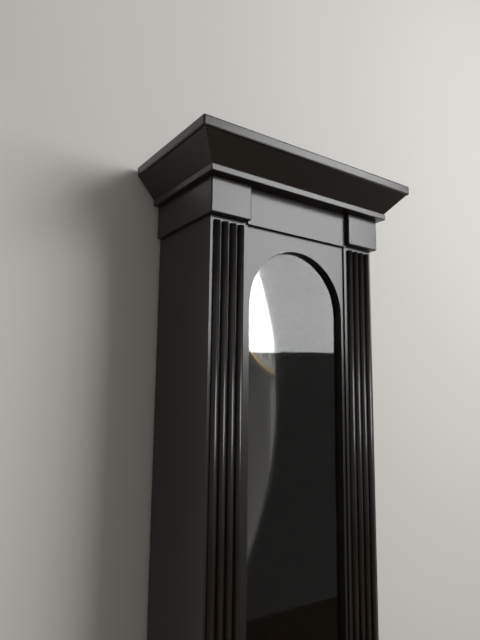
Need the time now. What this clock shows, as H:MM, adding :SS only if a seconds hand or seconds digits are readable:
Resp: 1:27
